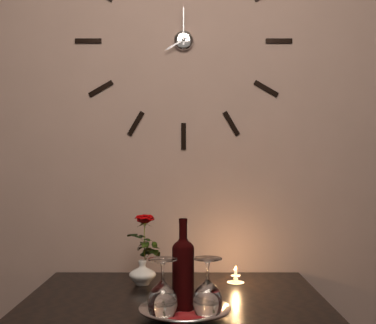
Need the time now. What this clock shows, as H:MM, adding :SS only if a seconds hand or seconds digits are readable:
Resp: 8:00
